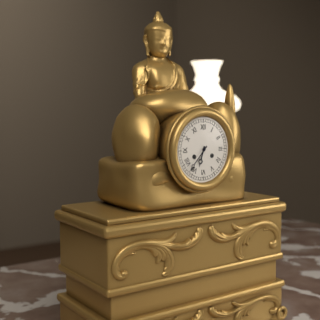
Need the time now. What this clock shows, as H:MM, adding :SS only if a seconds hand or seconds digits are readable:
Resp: 6:37
